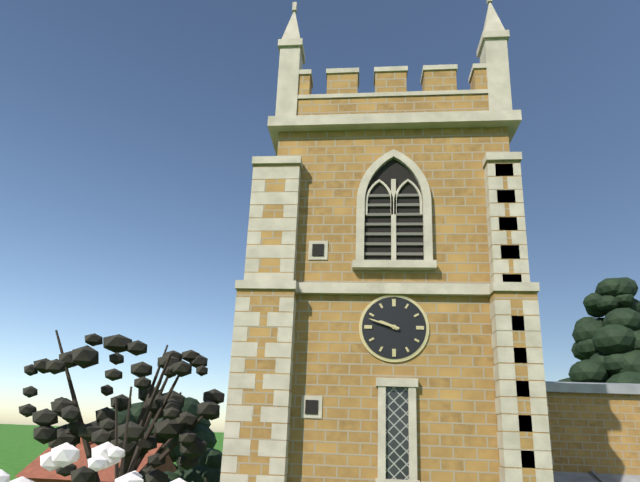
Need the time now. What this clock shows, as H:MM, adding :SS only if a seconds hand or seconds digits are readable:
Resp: 9:48
